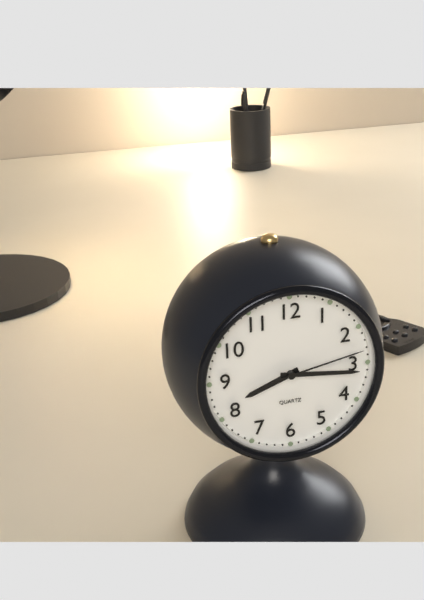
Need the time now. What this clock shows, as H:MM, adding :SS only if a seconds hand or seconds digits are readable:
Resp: 8:16:13
